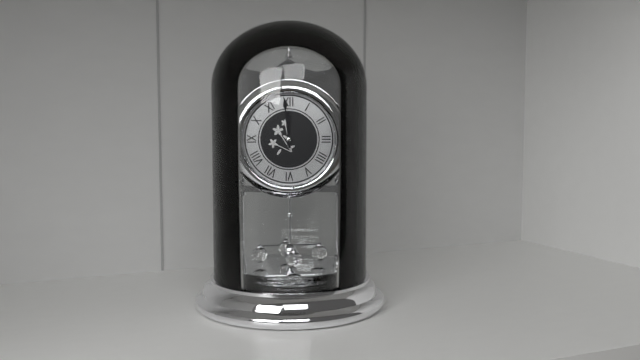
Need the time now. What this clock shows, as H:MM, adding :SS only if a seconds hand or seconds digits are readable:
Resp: 11:59
